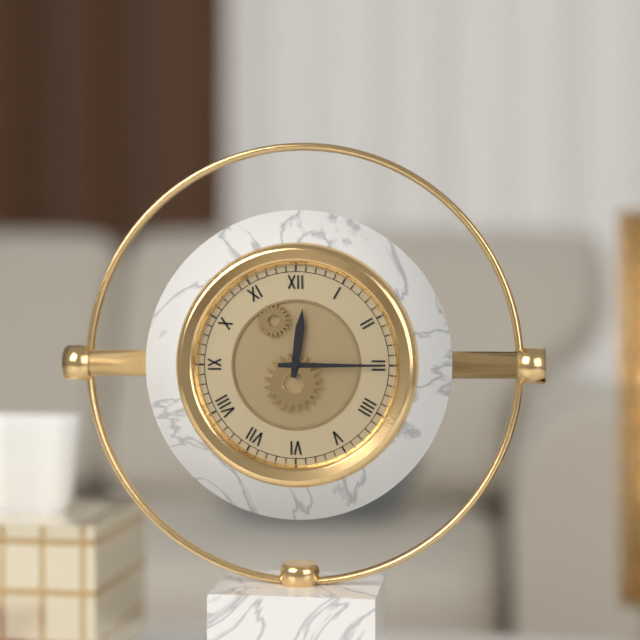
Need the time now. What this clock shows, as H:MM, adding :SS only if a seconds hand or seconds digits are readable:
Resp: 12:15
